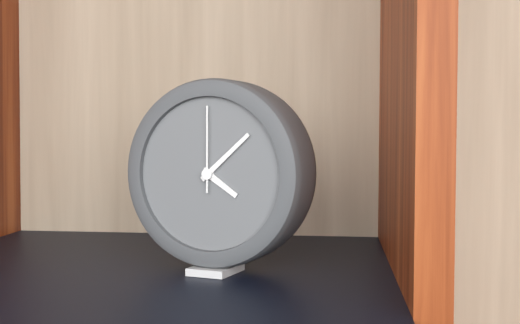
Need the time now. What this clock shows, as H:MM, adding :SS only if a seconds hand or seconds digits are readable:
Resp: 4:08:00
